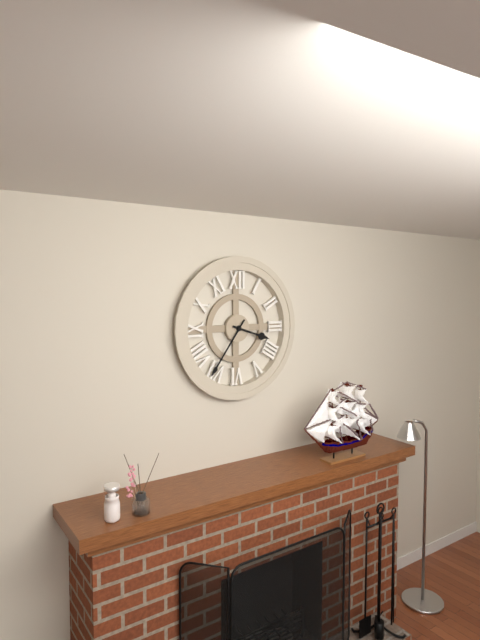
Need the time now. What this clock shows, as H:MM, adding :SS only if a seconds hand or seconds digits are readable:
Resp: 3:36
